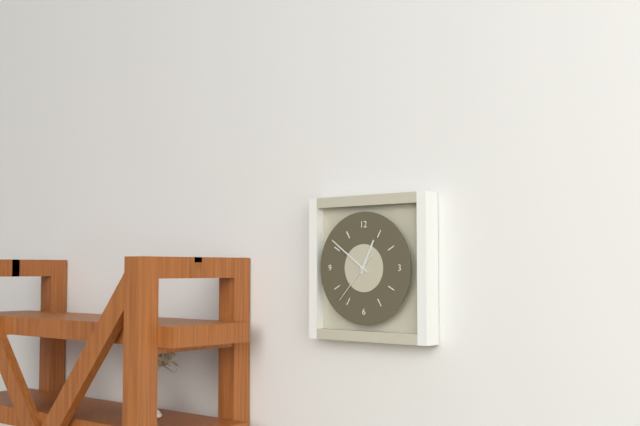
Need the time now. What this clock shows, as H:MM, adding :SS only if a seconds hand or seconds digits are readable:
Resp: 12:51:37
